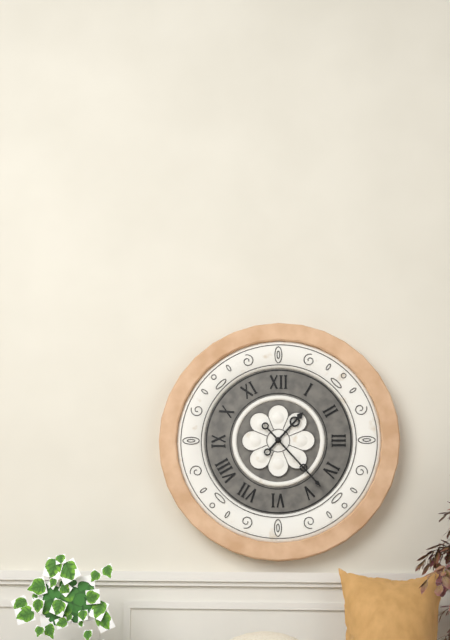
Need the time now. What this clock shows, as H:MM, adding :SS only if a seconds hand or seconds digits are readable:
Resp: 1:23
